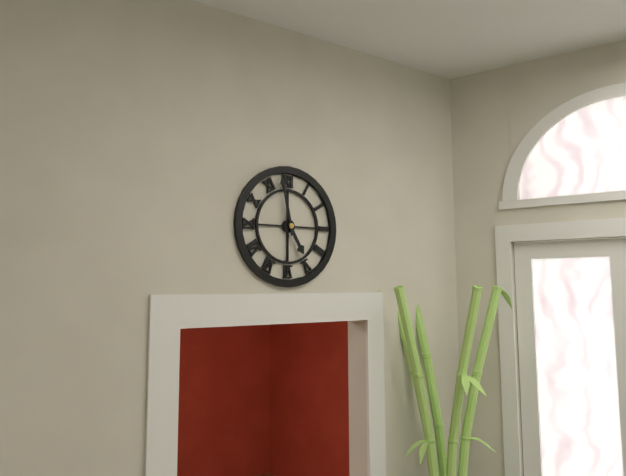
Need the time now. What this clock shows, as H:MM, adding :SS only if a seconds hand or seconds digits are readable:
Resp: 4:58
